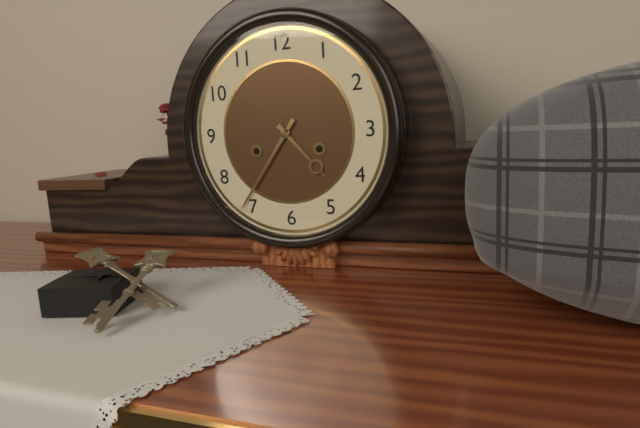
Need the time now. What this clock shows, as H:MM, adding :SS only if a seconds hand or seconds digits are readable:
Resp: 4:36
